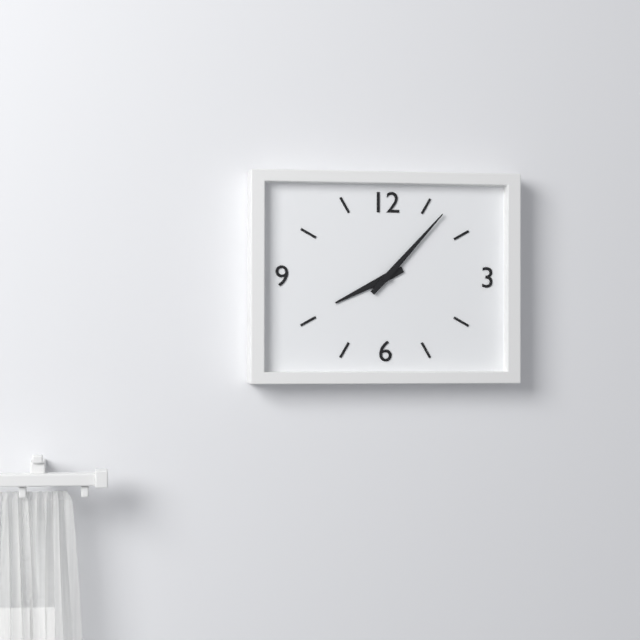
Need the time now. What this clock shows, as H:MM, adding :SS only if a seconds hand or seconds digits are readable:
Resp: 8:07
